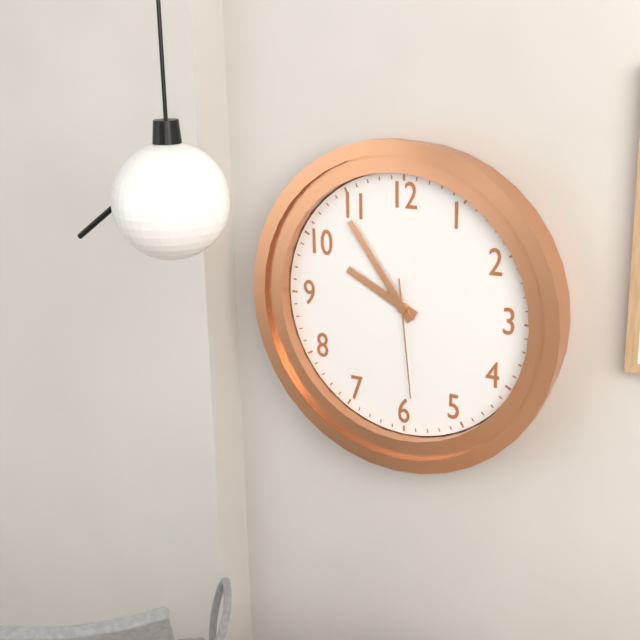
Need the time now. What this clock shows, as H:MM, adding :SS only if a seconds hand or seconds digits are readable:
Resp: 9:54:29
